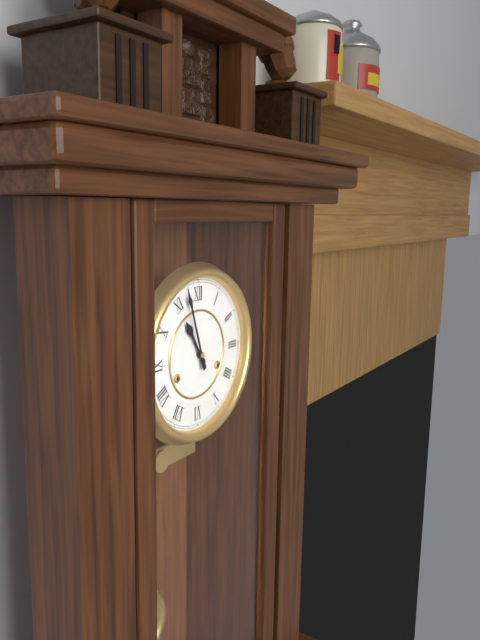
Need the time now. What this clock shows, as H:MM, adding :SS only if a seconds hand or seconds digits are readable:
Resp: 10:57
